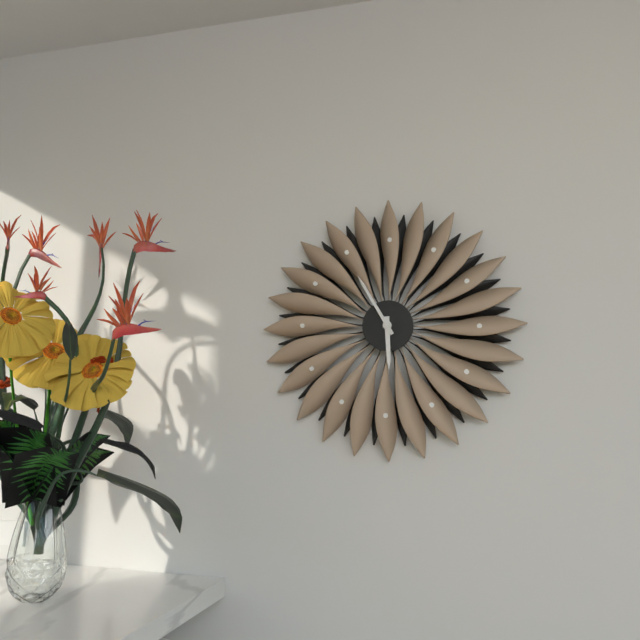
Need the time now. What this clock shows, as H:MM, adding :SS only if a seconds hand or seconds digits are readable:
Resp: 5:55
